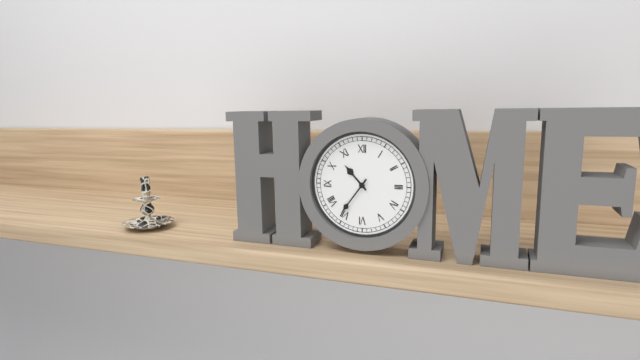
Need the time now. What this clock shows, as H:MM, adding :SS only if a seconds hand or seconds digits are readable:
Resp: 10:36
